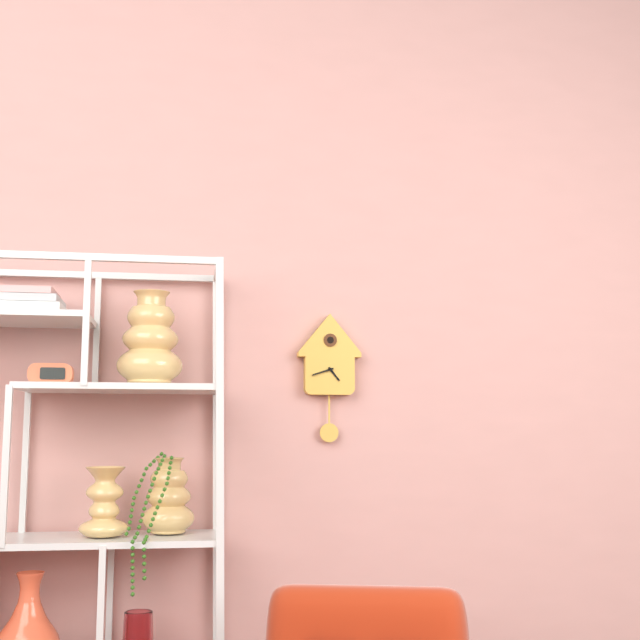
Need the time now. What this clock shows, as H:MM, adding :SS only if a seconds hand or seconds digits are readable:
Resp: 4:42
